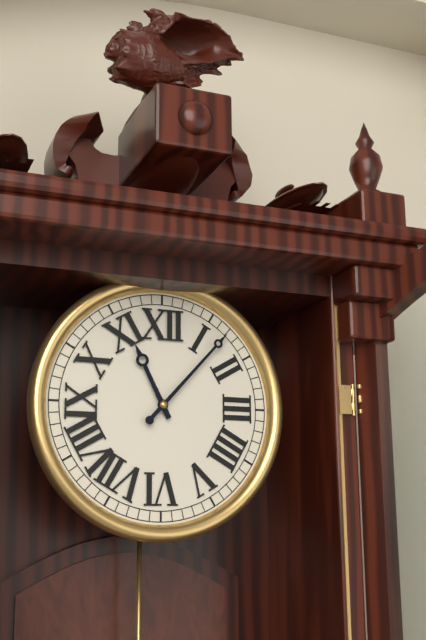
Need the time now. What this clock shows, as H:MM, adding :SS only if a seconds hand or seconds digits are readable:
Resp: 11:07
